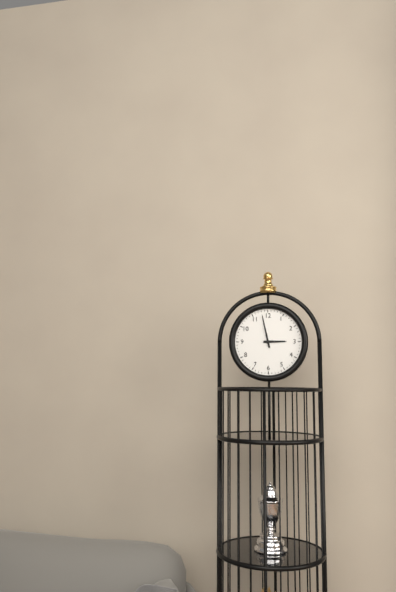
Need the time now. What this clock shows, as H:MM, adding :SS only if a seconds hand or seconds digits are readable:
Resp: 2:58
